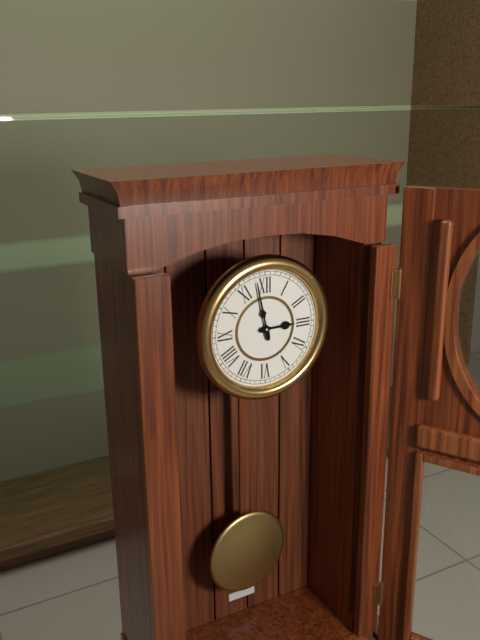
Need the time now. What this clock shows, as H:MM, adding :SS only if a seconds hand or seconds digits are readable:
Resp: 2:58
